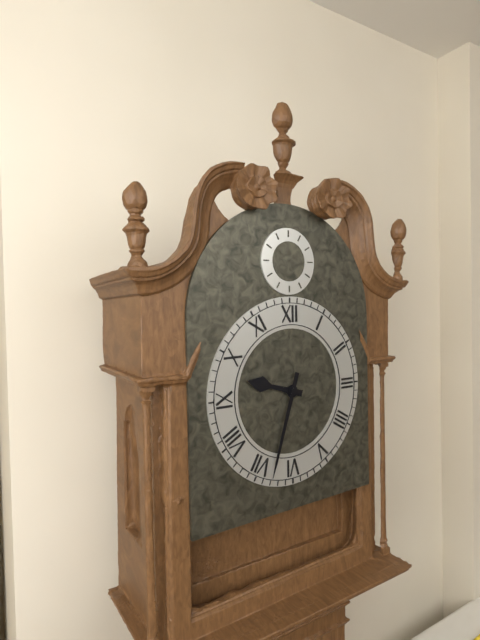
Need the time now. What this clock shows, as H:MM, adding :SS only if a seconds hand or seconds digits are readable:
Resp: 9:33
